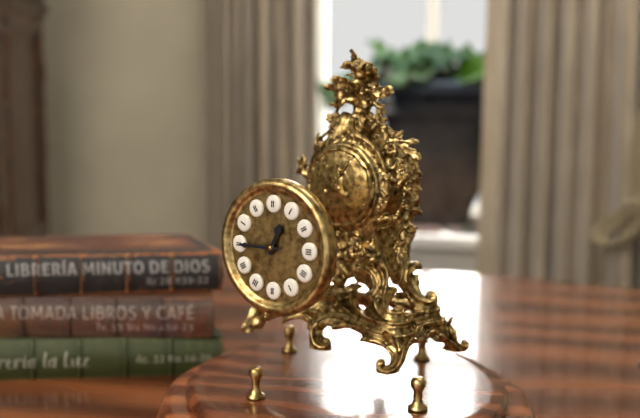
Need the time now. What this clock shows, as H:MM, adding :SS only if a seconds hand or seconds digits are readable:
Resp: 12:45
